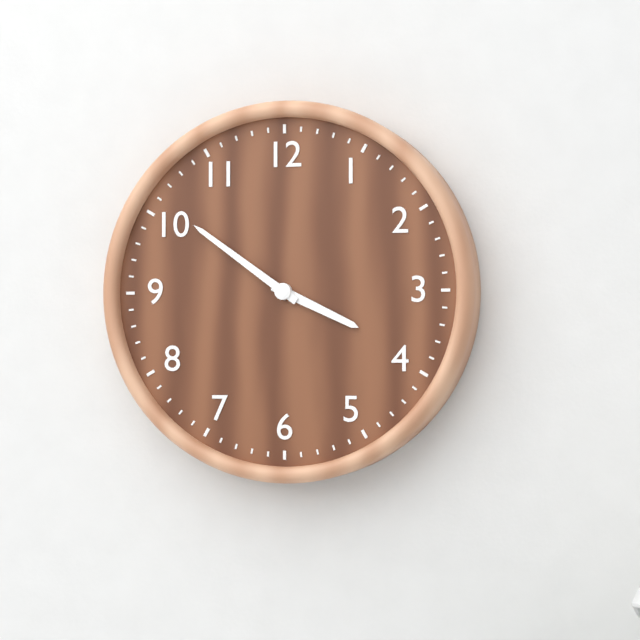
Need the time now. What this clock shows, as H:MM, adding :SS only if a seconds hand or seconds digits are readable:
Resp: 3:51
